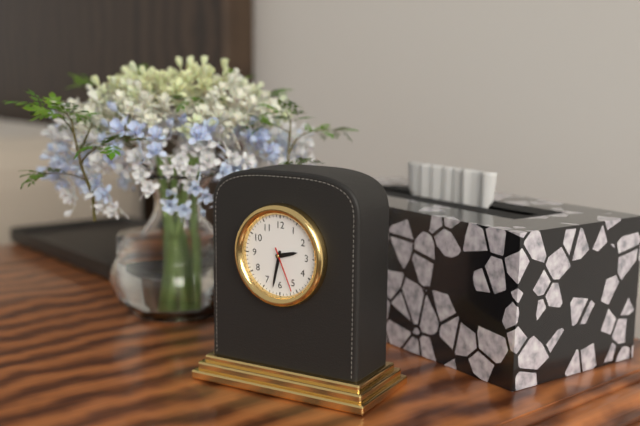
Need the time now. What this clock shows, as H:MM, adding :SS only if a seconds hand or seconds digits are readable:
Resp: 2:32
